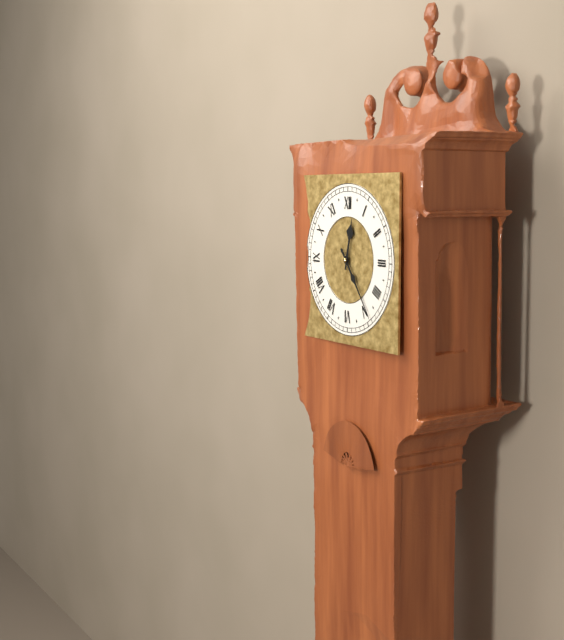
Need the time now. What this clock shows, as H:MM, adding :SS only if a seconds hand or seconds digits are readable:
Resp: 12:24
